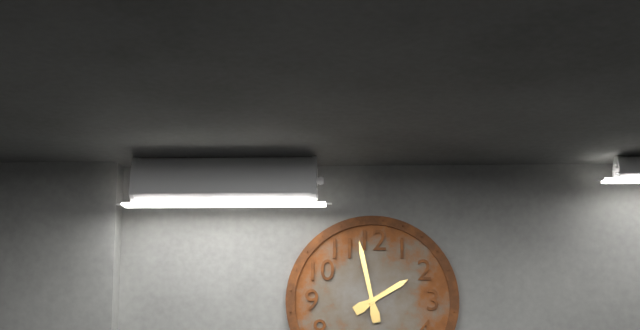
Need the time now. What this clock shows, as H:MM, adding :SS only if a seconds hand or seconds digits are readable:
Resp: 1:58
